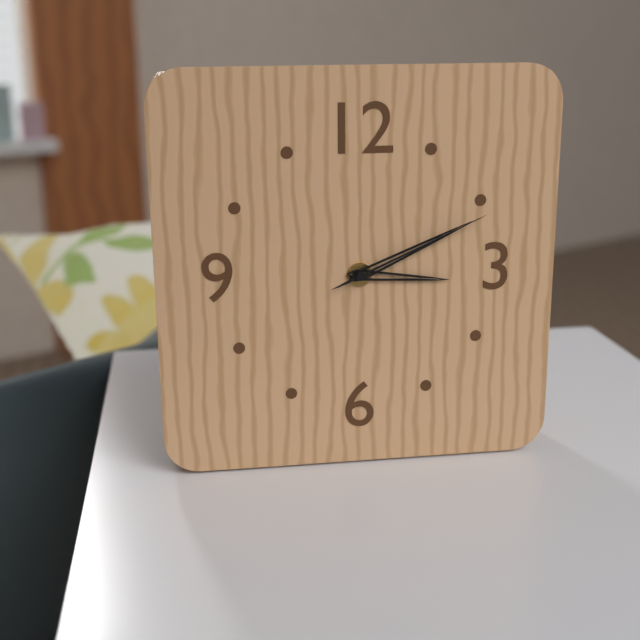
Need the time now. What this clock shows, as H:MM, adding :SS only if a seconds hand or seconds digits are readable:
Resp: 3:11:11
